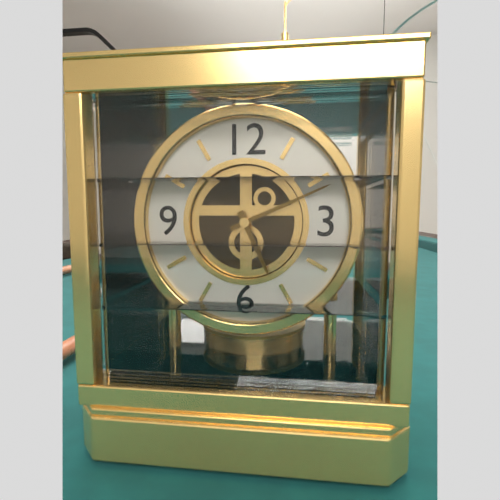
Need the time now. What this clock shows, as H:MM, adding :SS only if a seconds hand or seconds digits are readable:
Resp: 5:11
